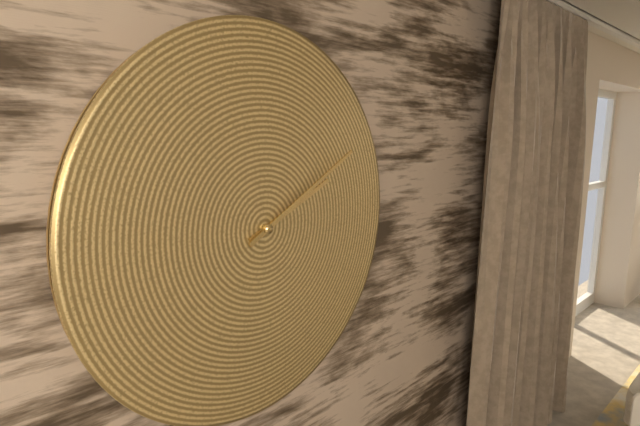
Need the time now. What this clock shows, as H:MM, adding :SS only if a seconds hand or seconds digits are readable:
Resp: 2:10
